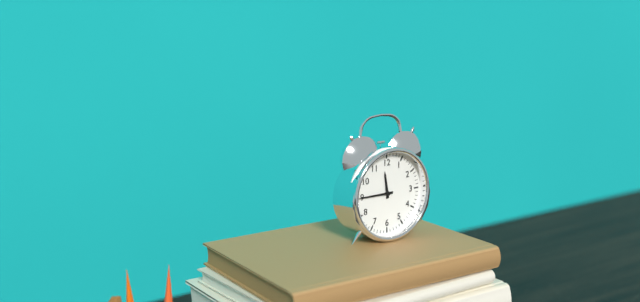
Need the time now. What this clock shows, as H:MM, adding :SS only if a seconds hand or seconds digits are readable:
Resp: 11:45
